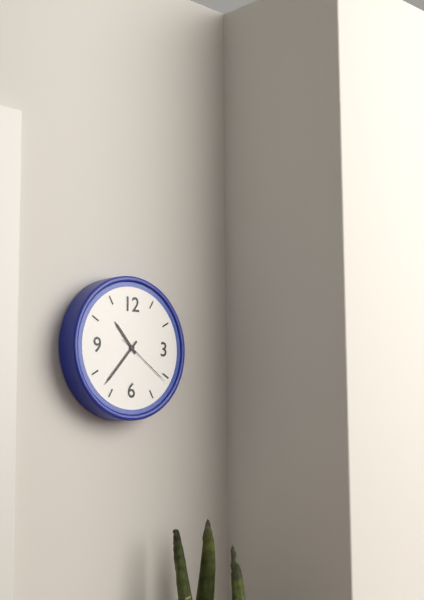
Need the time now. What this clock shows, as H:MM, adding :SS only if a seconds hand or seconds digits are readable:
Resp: 10:37:21
